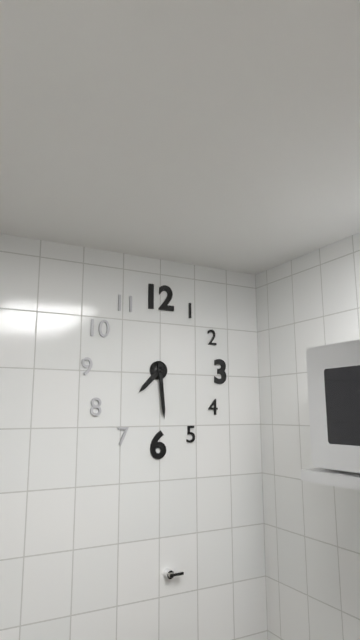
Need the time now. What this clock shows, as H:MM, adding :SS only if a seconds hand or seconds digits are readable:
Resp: 7:29
